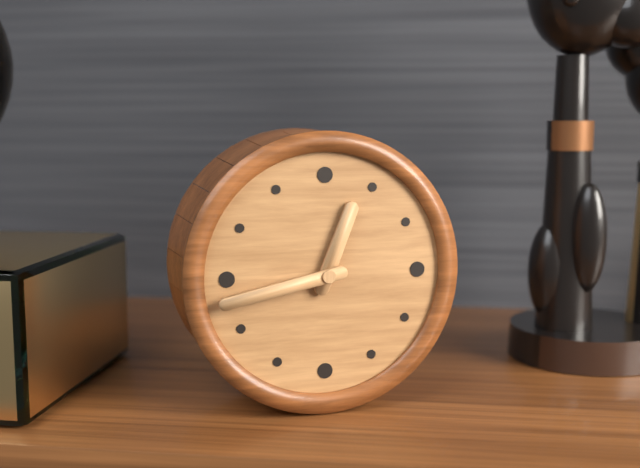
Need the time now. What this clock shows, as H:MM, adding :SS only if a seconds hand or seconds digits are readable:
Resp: 12:43
